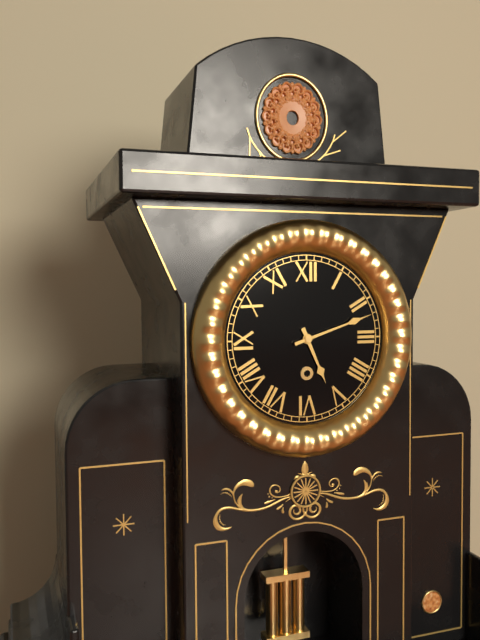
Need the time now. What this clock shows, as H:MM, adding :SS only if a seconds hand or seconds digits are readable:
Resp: 5:12
